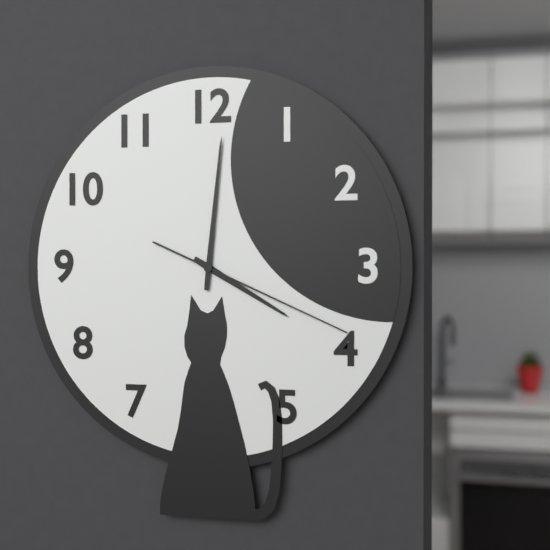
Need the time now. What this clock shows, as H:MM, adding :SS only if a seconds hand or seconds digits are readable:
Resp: 4:01:19
